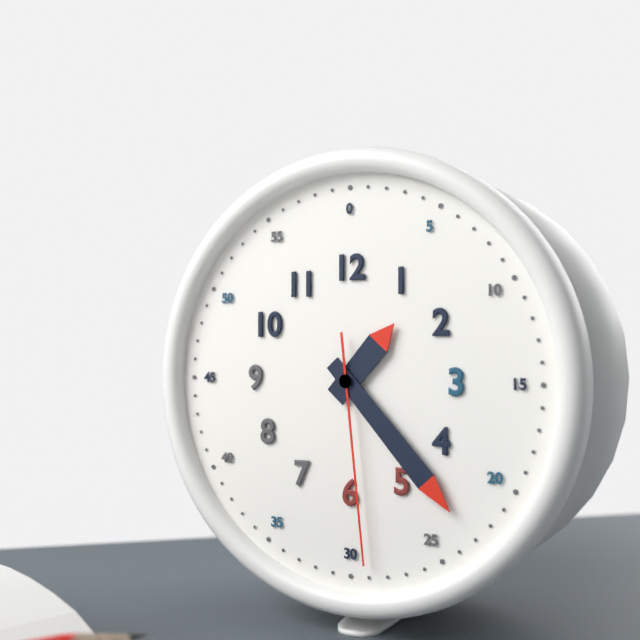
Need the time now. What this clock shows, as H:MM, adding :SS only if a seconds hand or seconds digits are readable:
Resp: 1:23:29
